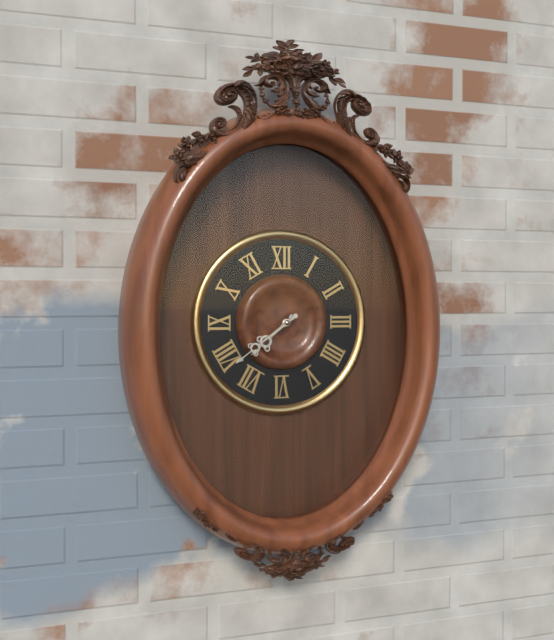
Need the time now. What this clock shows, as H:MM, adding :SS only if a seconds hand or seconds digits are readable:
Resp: 7:39
